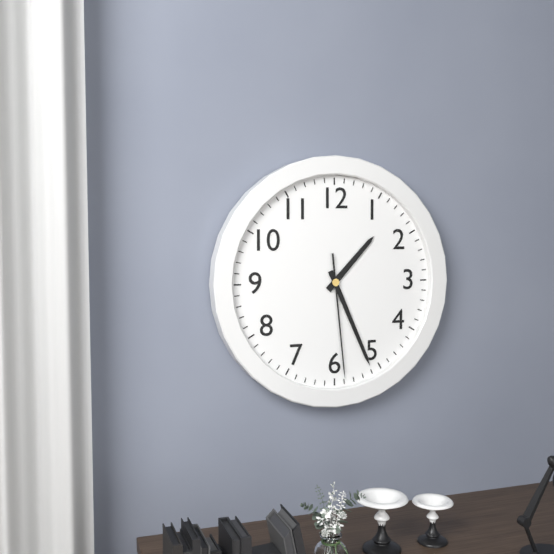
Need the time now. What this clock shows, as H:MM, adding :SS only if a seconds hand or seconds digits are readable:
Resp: 1:26:29
